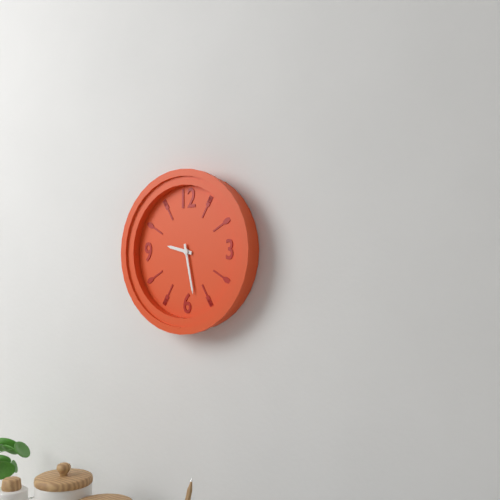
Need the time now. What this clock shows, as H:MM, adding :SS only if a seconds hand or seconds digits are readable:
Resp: 9:28
